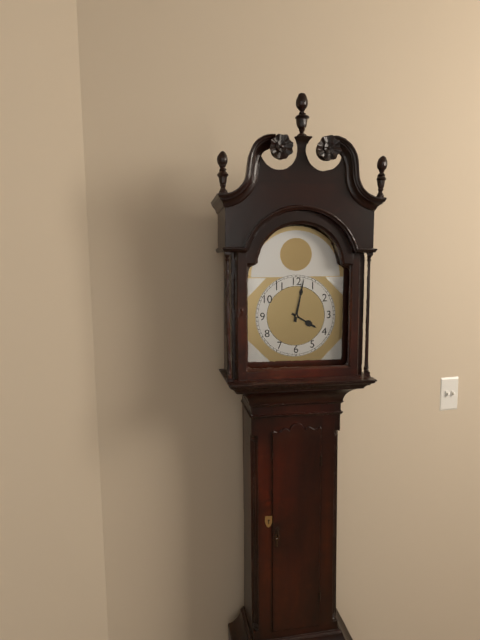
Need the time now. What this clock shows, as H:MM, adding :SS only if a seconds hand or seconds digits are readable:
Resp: 4:02
